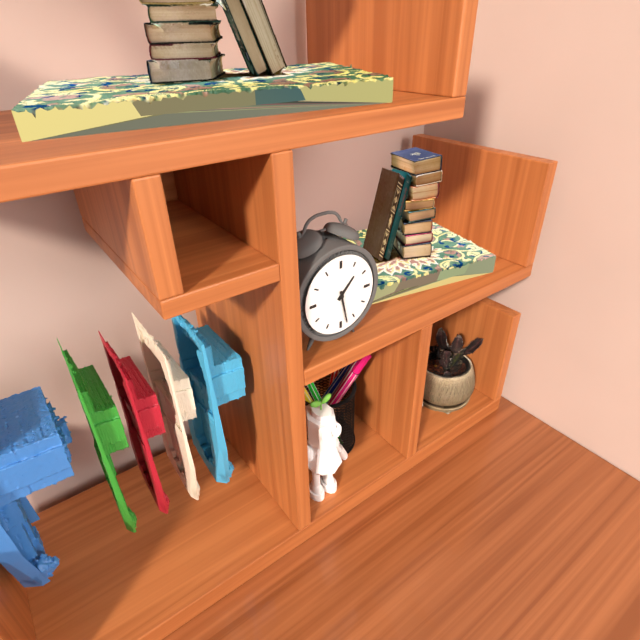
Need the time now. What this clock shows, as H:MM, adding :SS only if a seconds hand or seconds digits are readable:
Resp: 1:28
